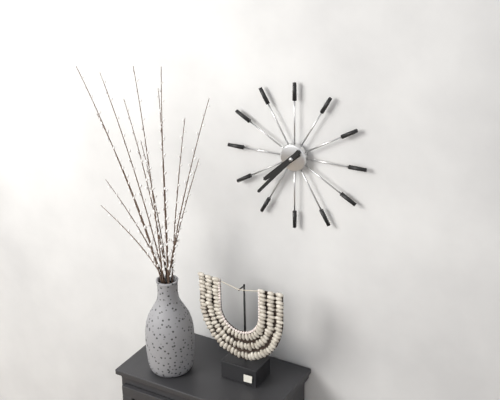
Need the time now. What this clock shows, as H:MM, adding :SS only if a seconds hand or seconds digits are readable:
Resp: 7:37
